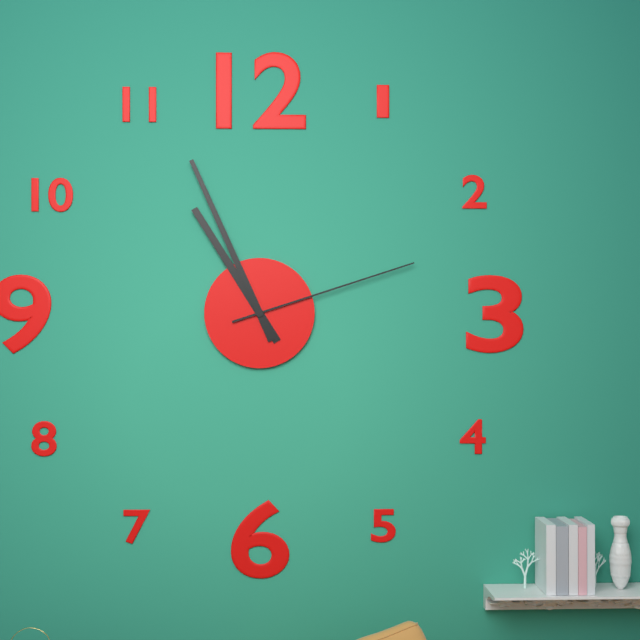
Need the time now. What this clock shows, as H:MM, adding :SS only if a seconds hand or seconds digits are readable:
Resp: 10:56:12
